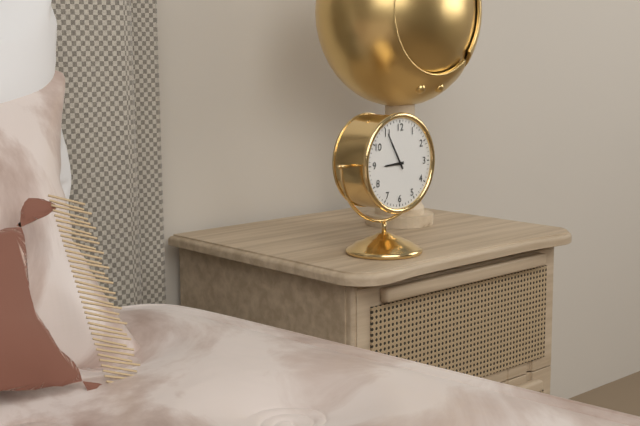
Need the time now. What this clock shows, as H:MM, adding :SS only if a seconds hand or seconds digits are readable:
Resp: 8:55
